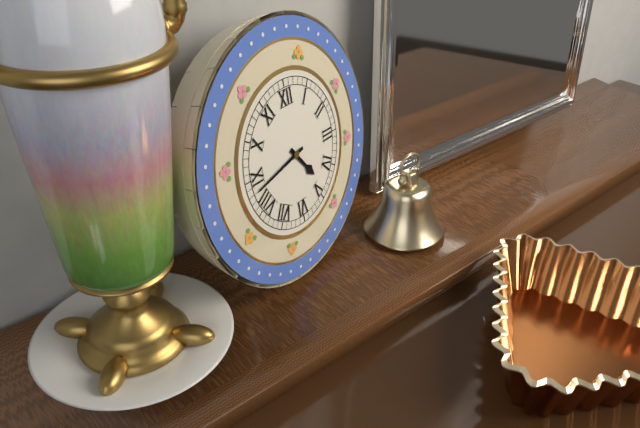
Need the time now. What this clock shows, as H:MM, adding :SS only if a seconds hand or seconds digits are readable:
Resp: 4:43
